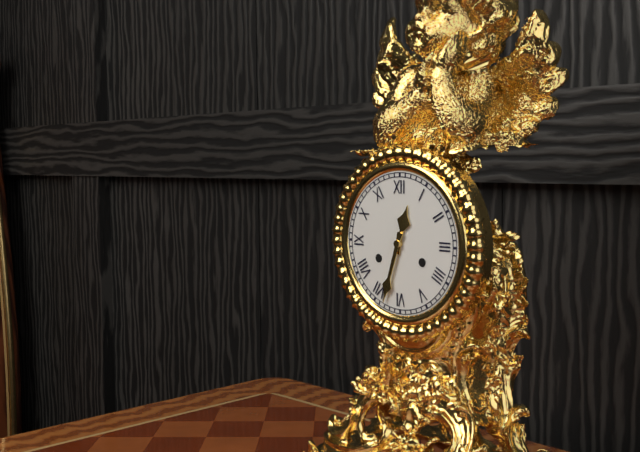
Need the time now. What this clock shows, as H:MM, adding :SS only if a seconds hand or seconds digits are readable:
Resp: 12:33
